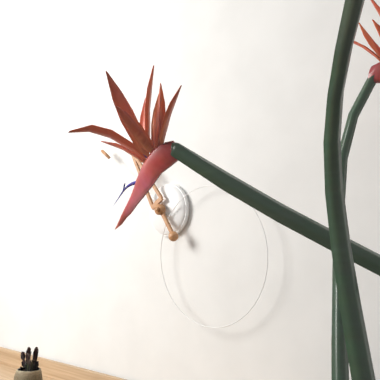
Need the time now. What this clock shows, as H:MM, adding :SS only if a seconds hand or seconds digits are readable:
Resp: 10:51
